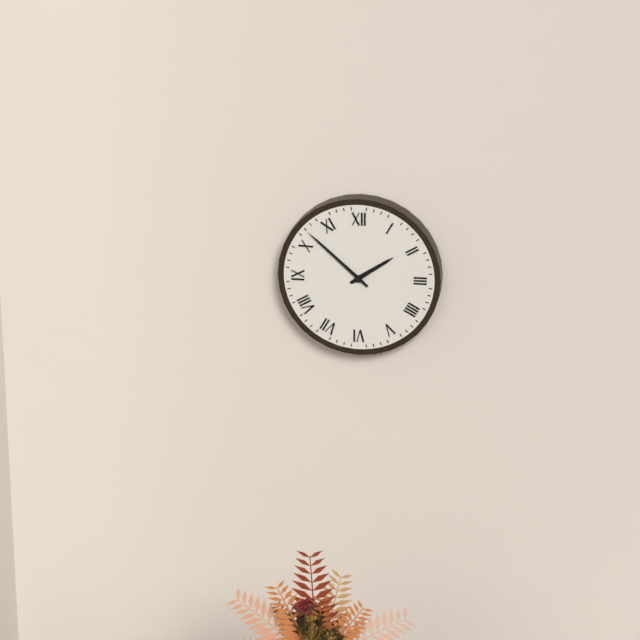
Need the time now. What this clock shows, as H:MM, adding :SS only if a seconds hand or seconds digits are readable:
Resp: 1:52
